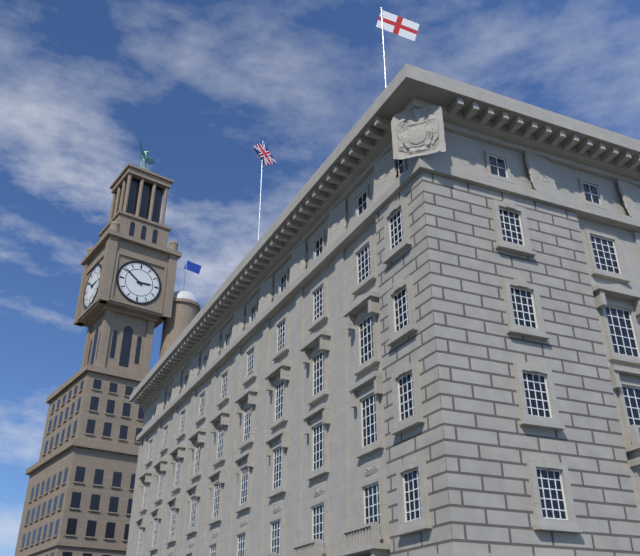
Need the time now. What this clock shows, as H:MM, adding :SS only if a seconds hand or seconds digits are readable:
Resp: 2:51
